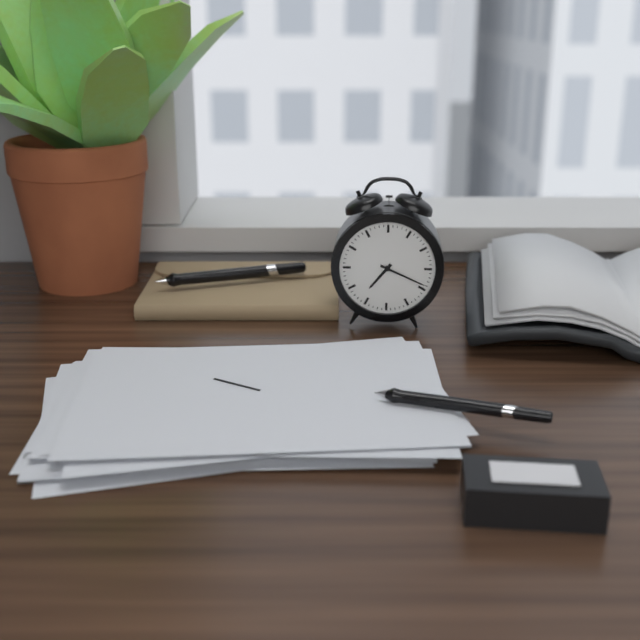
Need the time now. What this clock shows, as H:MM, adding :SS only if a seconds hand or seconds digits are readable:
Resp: 7:19
